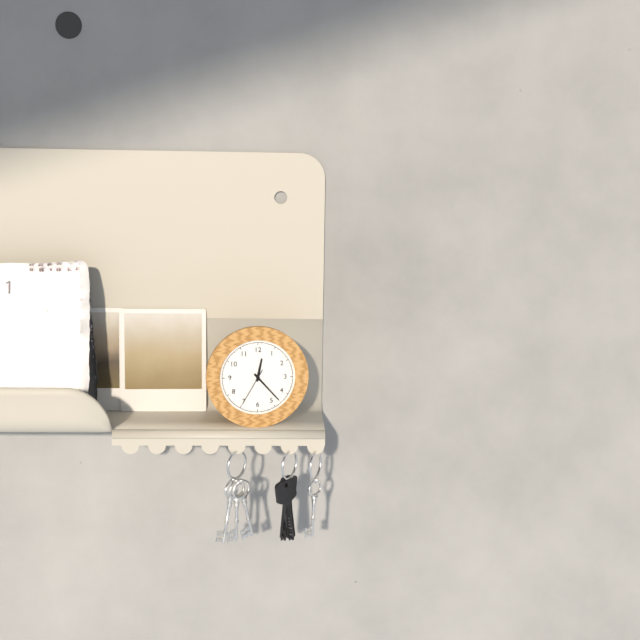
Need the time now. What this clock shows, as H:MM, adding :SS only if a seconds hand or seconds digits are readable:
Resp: 12:23
